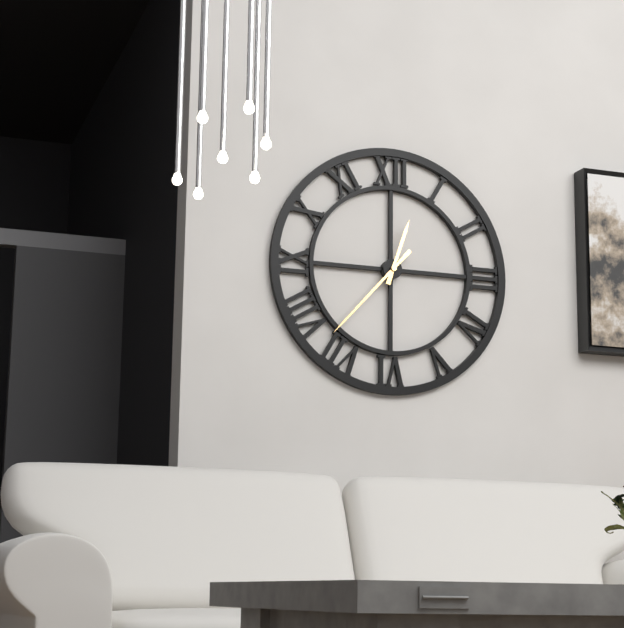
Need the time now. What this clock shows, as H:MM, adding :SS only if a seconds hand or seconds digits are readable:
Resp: 12:37
